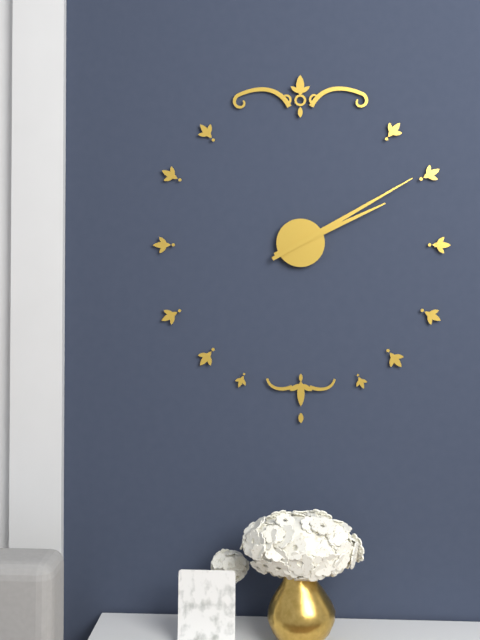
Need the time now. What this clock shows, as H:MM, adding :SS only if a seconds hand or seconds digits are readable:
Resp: 2:10
